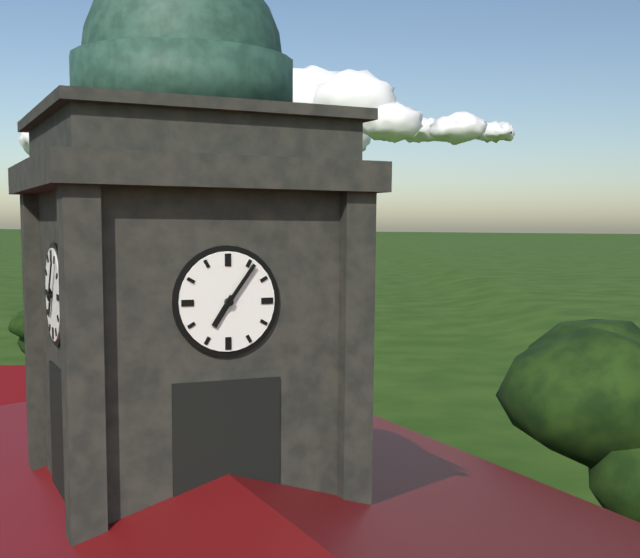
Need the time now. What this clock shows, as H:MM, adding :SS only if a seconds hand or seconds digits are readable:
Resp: 7:06
